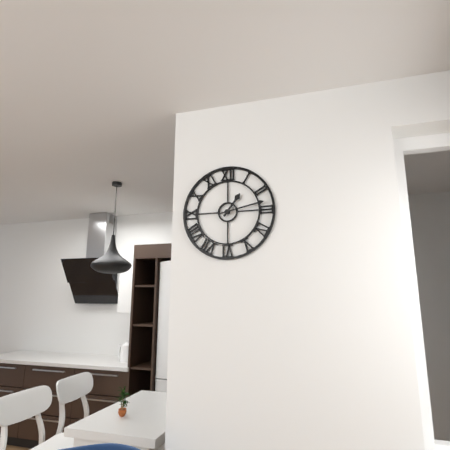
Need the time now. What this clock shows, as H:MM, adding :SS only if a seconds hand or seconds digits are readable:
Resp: 1:13
